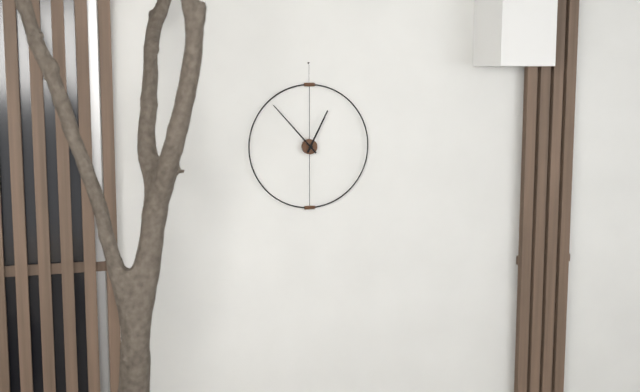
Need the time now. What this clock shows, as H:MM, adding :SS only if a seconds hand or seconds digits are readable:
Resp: 12:53
